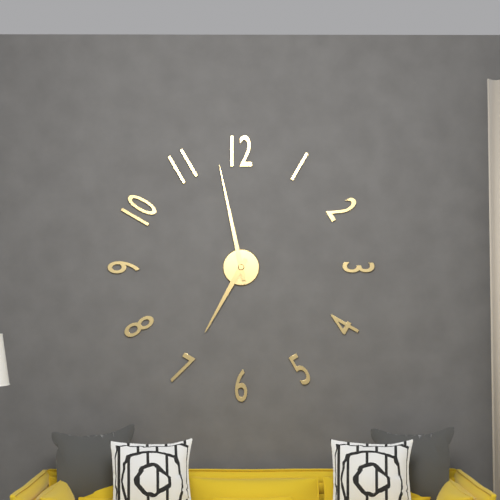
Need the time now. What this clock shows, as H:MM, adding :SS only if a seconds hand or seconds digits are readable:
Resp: 6:58
